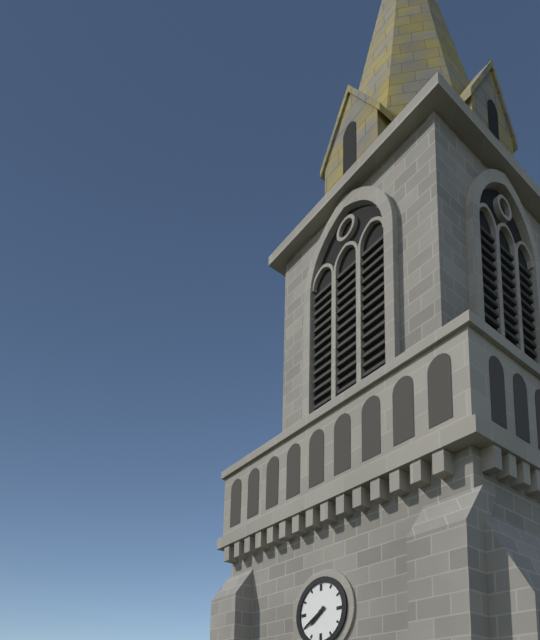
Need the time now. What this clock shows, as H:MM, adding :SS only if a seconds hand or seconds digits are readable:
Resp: 7:40
